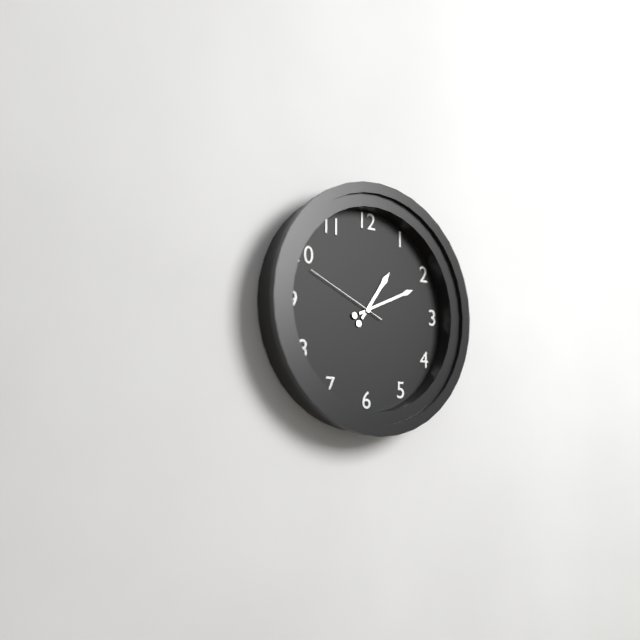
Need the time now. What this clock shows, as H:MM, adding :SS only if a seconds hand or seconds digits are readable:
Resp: 1:11:49
